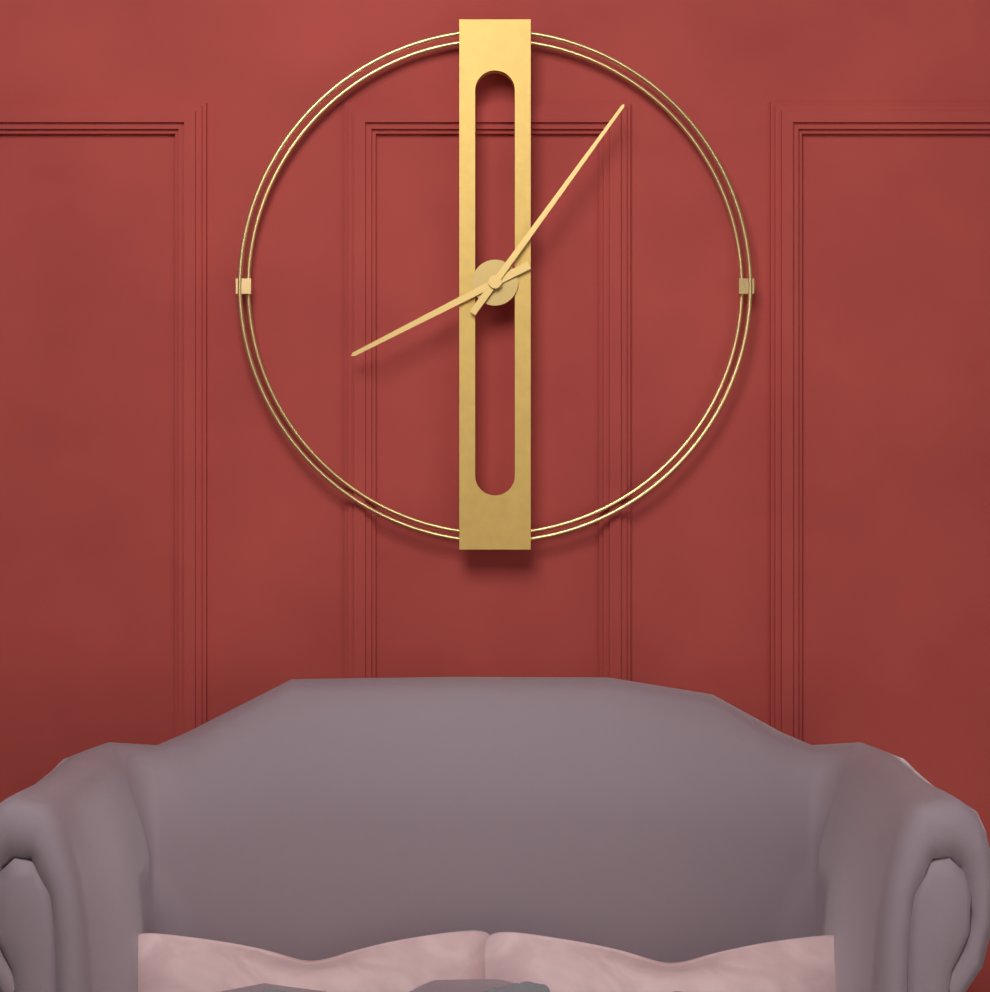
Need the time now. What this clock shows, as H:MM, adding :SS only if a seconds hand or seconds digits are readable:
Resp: 8:06
